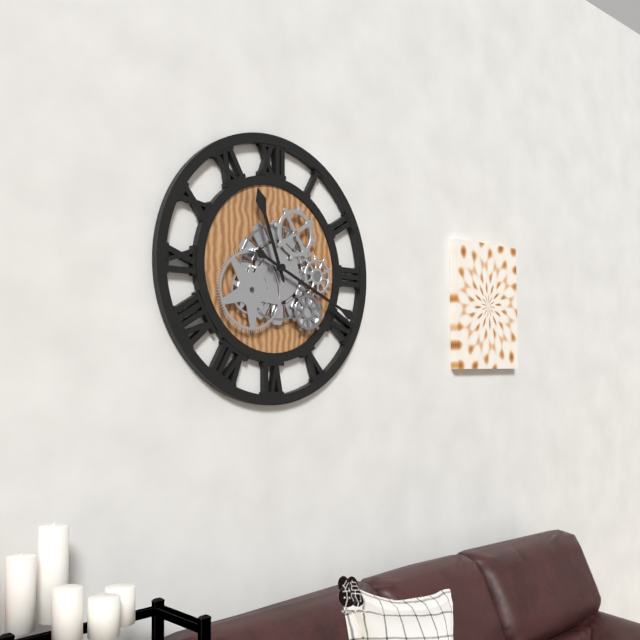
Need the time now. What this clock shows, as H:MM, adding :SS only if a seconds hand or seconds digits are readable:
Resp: 11:19
